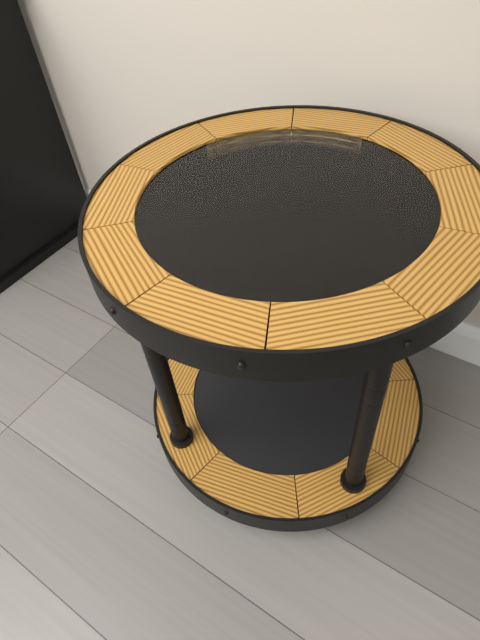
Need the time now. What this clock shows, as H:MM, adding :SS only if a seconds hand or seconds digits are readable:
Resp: 5:25
